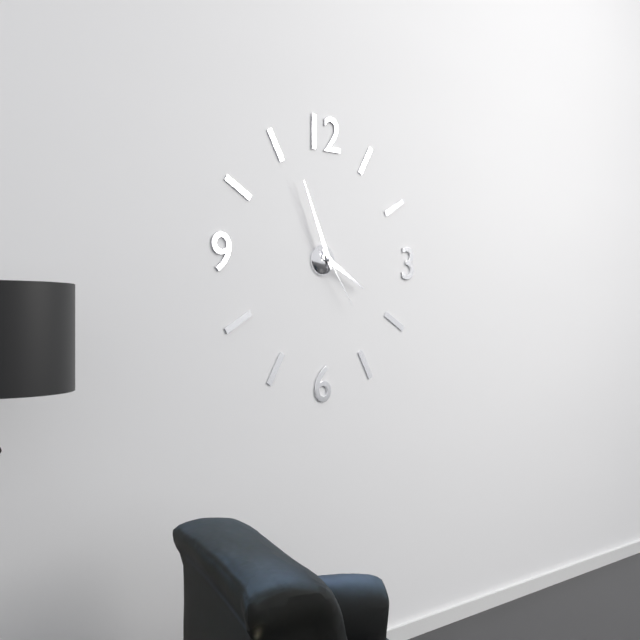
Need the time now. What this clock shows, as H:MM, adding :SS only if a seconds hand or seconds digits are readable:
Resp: 3:56:24
